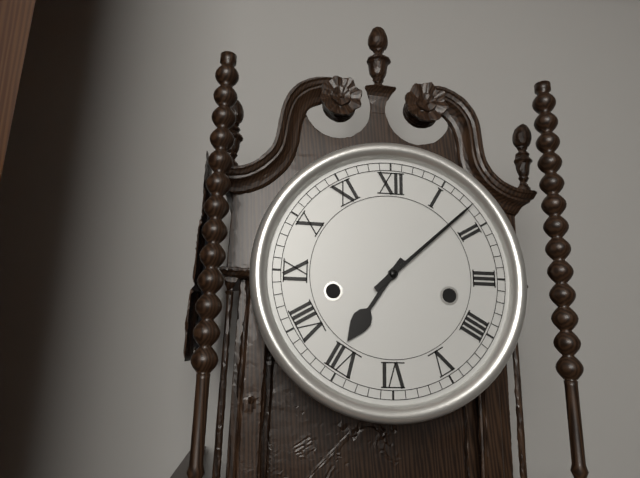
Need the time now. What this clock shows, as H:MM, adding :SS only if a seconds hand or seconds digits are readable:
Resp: 7:08
